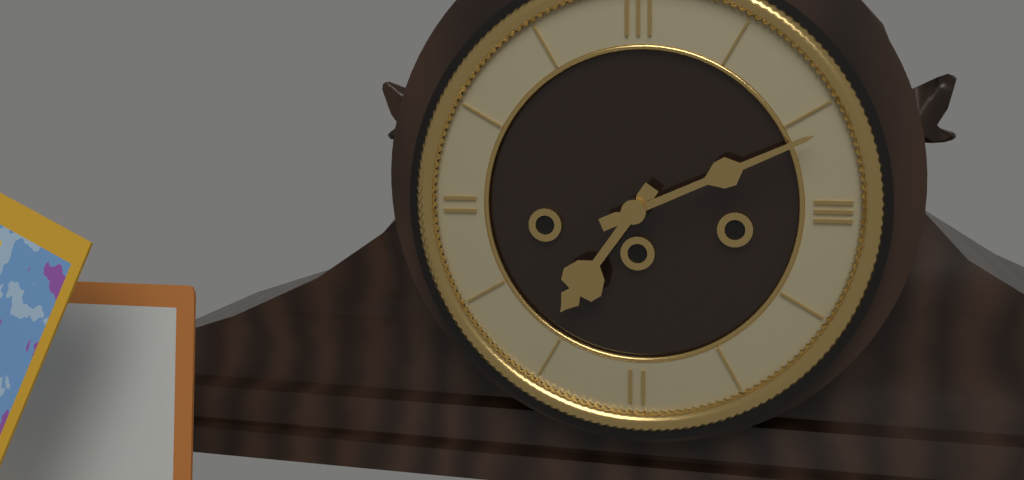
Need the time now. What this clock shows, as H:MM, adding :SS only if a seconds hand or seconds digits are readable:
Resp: 7:11
